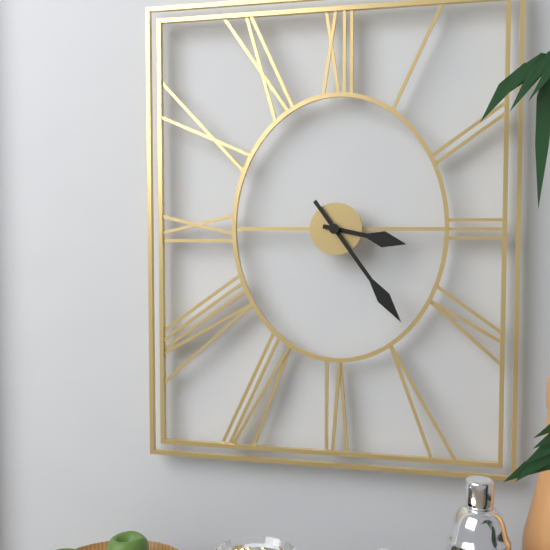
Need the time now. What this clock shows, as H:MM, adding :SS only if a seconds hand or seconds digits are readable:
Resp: 3:24
